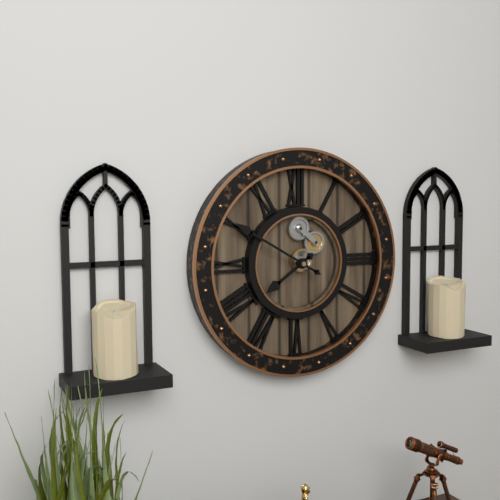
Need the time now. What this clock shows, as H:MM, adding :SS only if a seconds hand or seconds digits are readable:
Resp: 7:50
